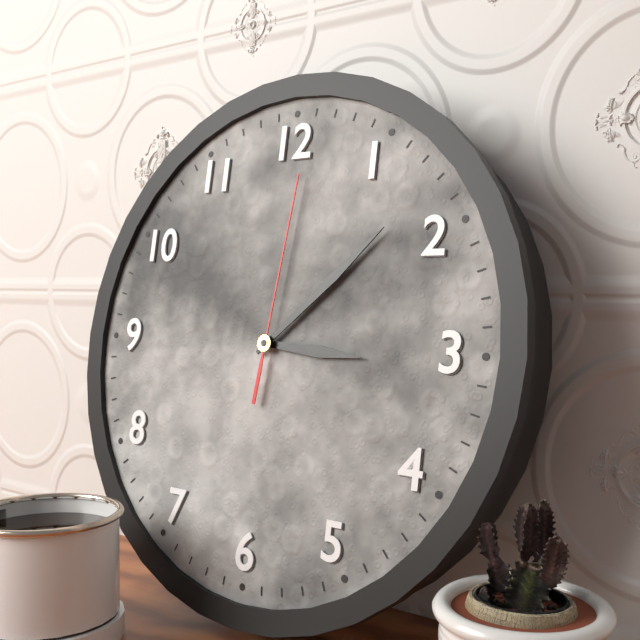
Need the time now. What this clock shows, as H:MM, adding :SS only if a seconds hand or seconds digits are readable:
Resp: 3:08:01
